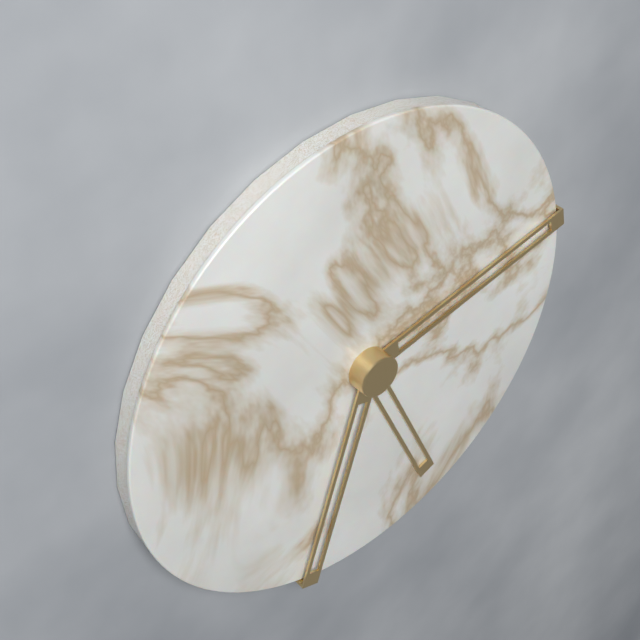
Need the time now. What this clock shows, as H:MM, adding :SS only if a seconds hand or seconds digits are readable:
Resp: 5:13:33
